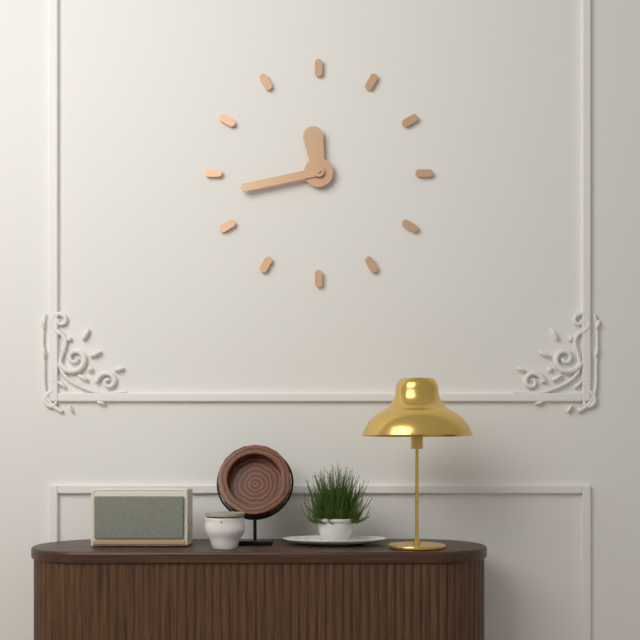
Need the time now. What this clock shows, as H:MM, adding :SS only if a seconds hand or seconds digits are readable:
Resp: 11:43
